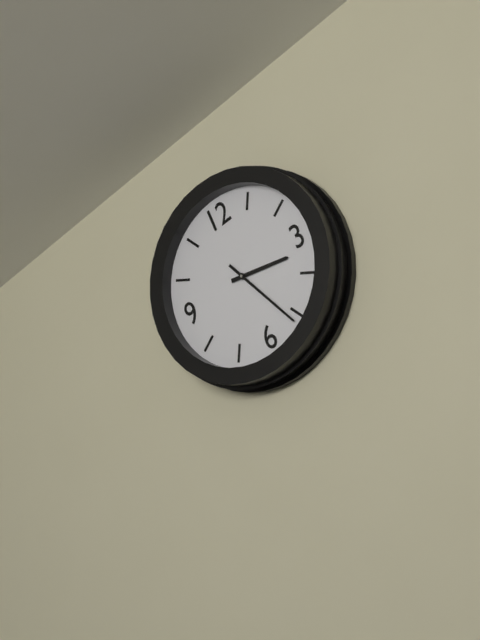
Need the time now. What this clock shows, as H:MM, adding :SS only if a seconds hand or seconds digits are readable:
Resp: 3:26
